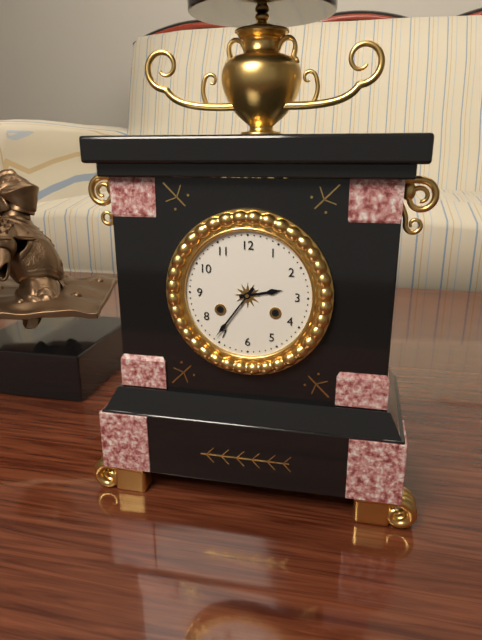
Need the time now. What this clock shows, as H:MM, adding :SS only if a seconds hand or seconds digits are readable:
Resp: 2:36
